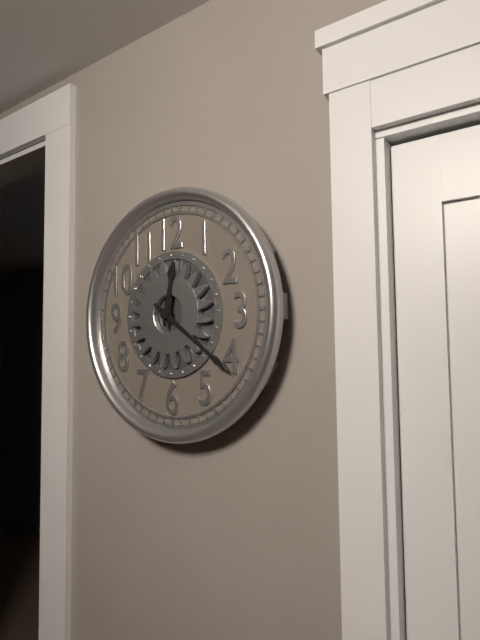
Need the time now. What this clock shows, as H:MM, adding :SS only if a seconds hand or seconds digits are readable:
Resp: 12:21
